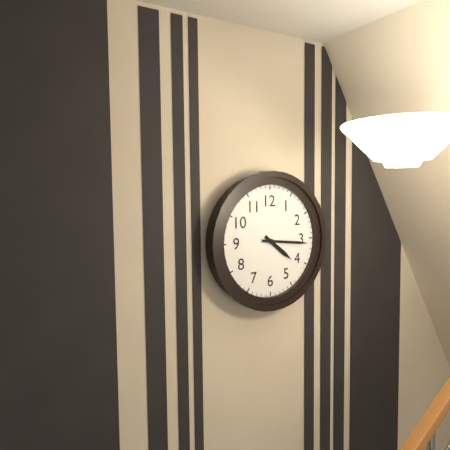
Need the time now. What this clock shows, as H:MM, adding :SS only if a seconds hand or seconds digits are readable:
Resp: 4:16
